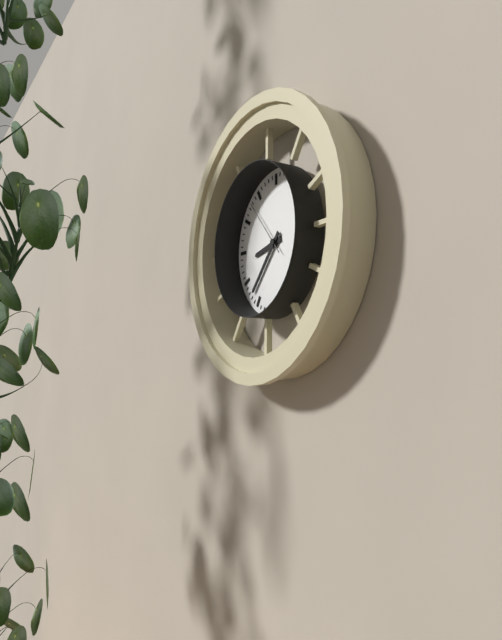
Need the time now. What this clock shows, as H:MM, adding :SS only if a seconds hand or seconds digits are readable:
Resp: 8:37:53
